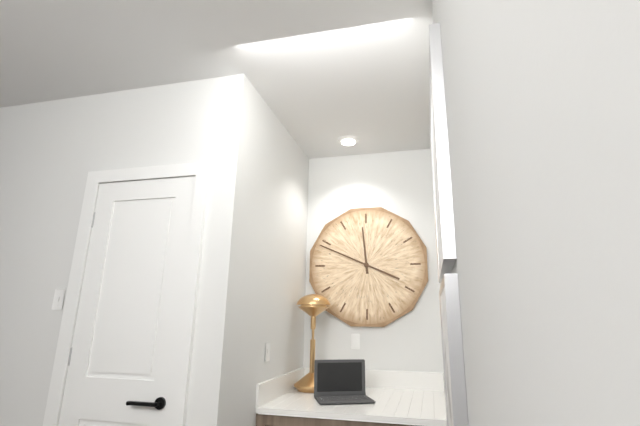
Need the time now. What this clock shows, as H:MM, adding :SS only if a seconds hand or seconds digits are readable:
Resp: 11:49
